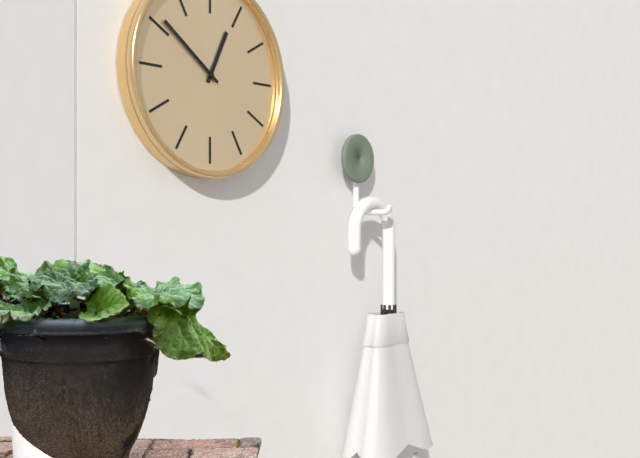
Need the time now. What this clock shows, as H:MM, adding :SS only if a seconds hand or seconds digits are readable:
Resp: 12:51
